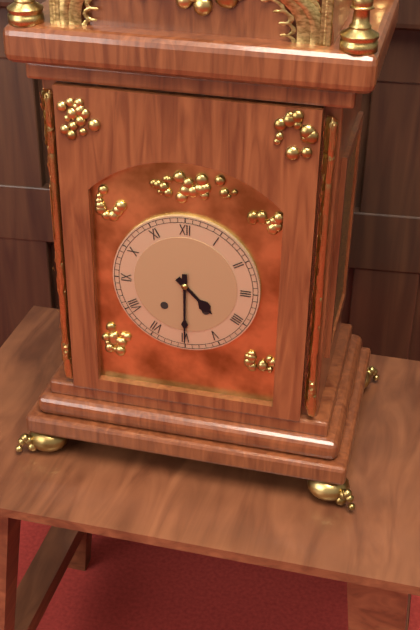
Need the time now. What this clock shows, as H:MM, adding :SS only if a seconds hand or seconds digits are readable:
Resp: 4:30
